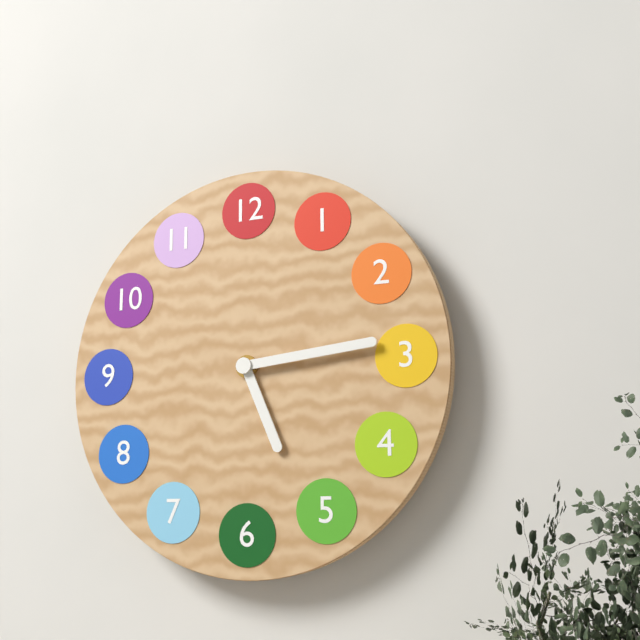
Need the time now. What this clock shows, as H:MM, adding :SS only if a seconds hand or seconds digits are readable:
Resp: 5:14
